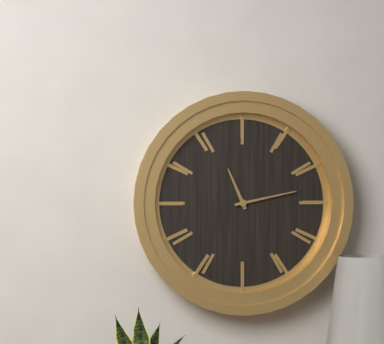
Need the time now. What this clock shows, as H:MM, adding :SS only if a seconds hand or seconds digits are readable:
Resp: 11:13
